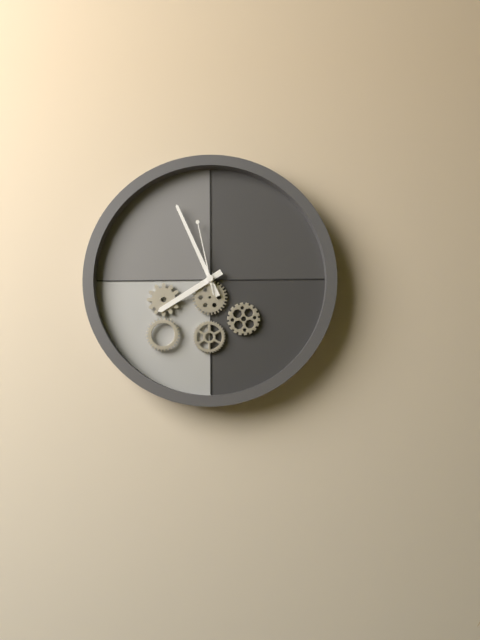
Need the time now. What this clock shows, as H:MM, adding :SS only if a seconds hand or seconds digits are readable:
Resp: 7:56:58
